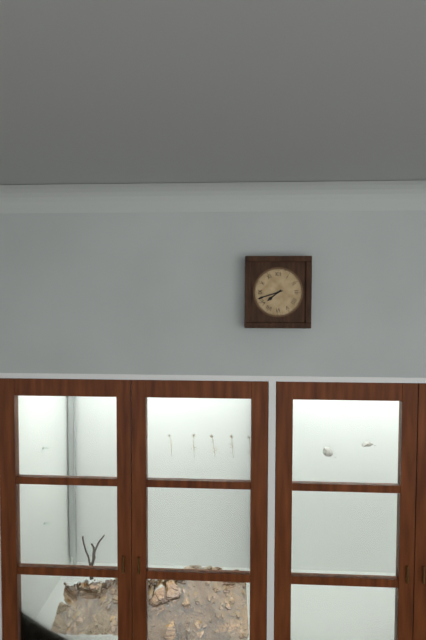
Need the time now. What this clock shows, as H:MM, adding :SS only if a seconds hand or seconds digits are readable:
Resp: 7:42
